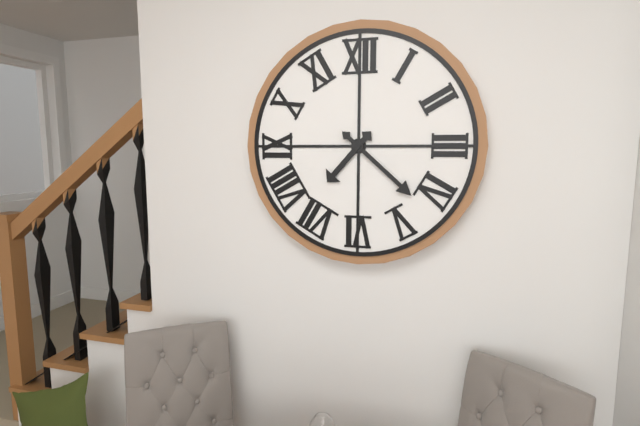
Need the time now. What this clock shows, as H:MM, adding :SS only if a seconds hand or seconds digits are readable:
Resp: 7:22
